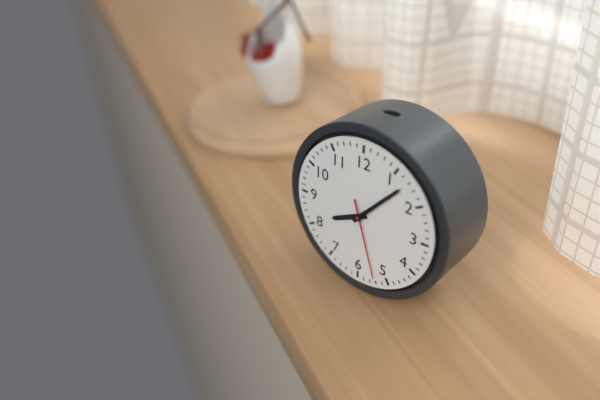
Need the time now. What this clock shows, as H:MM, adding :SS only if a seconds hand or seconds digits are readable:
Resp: 8:07:27
